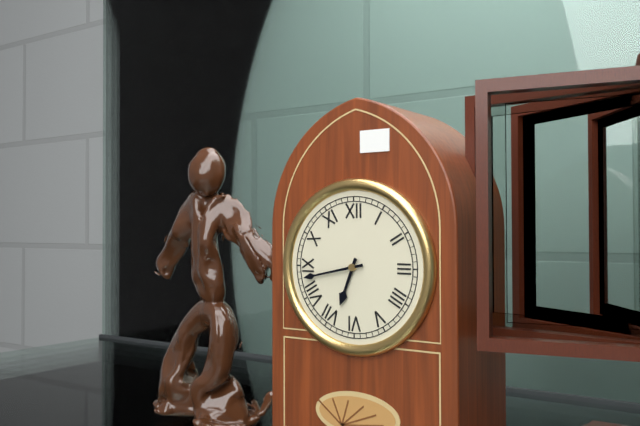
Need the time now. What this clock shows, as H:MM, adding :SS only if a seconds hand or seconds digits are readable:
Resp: 6:43
